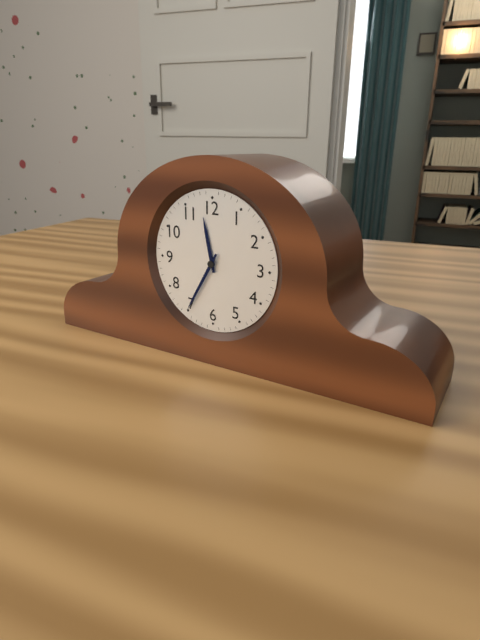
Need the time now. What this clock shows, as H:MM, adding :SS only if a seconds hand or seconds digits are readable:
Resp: 11:35
